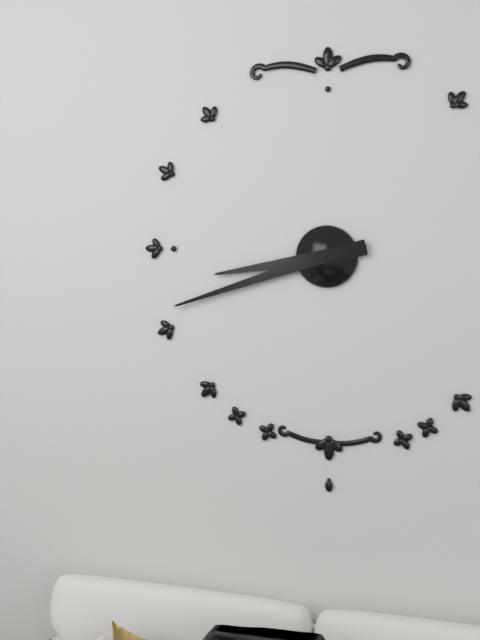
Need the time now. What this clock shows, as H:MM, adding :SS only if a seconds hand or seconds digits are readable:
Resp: 8:42
